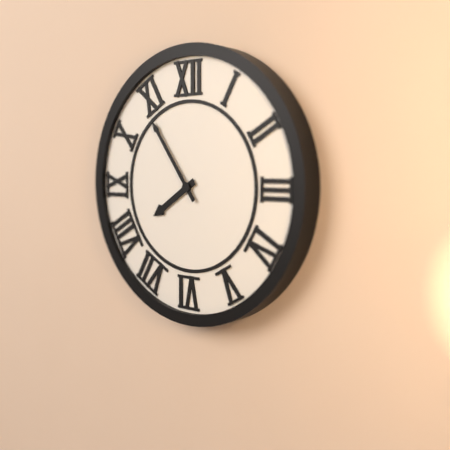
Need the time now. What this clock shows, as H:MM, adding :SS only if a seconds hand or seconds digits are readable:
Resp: 7:54
